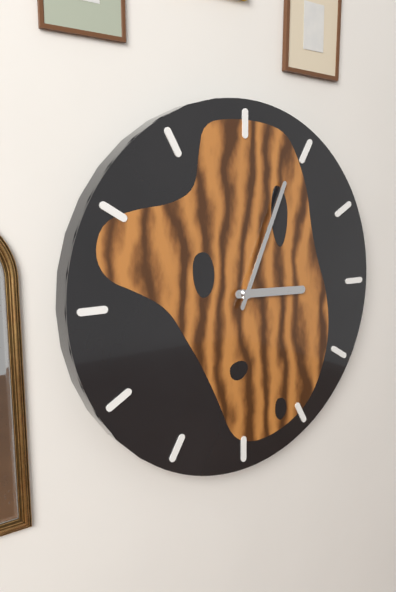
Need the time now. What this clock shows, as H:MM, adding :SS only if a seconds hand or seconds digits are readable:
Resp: 3:04
